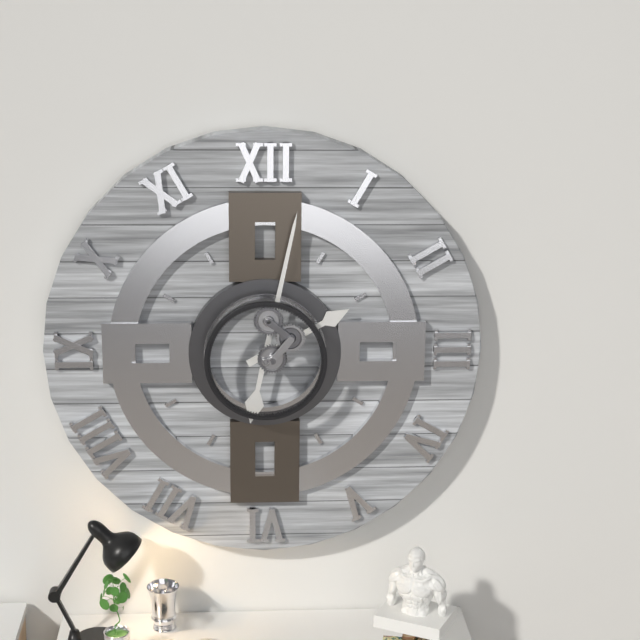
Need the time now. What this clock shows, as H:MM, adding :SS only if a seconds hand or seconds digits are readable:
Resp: 2:02
